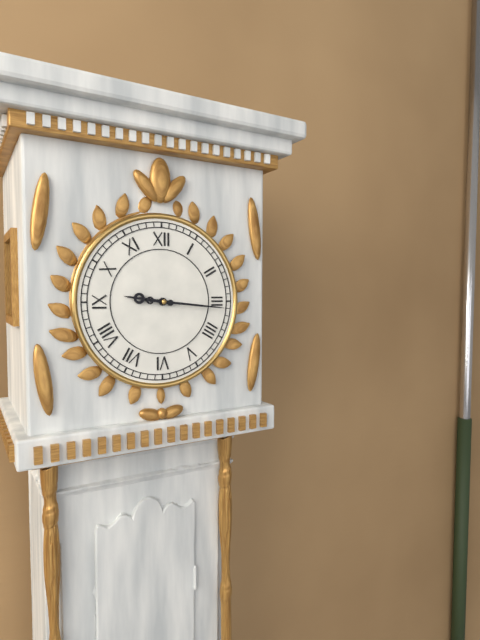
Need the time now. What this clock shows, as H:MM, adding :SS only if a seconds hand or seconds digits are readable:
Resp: 9:16
